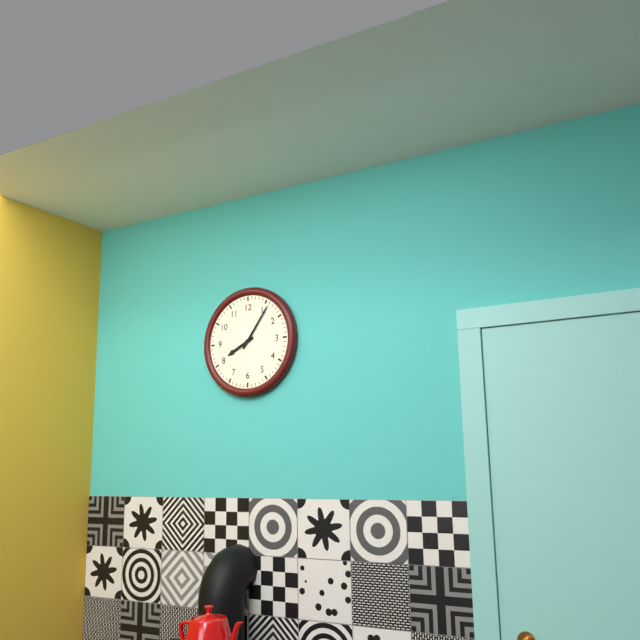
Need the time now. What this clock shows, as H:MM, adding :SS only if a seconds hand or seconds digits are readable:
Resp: 8:06
